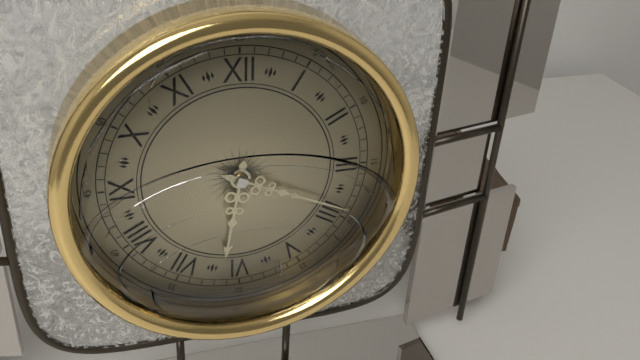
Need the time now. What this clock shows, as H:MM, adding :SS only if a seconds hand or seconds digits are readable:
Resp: 6:19
